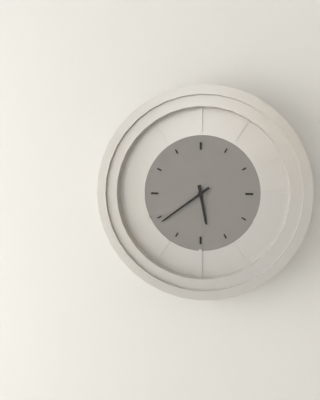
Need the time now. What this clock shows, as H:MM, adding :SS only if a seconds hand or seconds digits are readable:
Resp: 5:39
